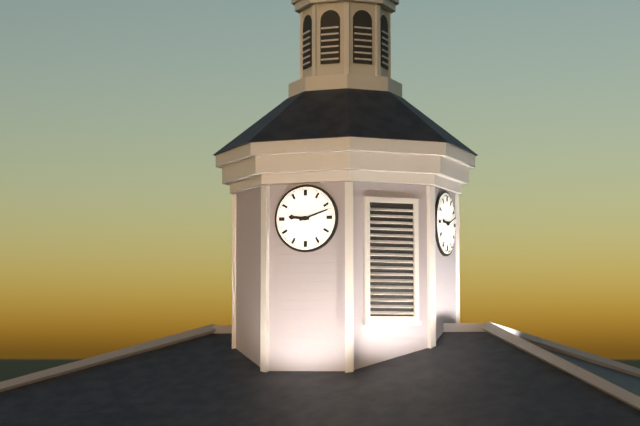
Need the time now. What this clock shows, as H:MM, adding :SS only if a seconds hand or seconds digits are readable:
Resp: 9:12
